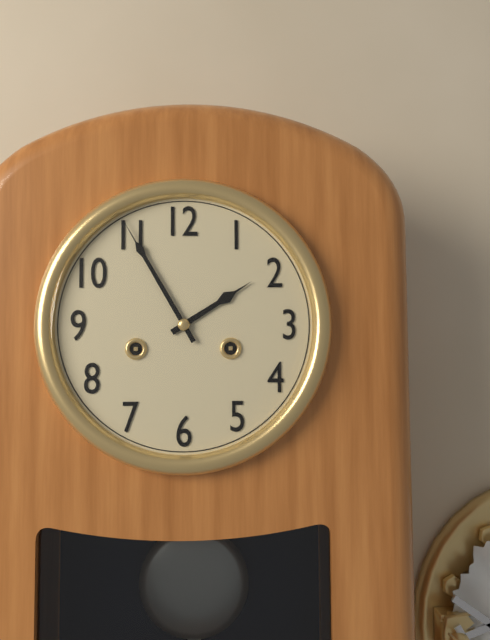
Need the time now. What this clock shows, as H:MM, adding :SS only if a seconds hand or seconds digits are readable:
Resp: 1:55
